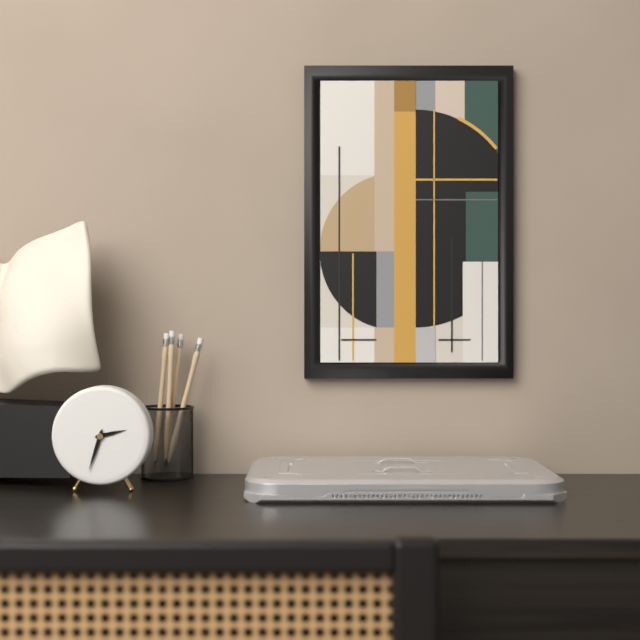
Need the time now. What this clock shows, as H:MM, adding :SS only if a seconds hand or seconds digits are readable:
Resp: 2:33
